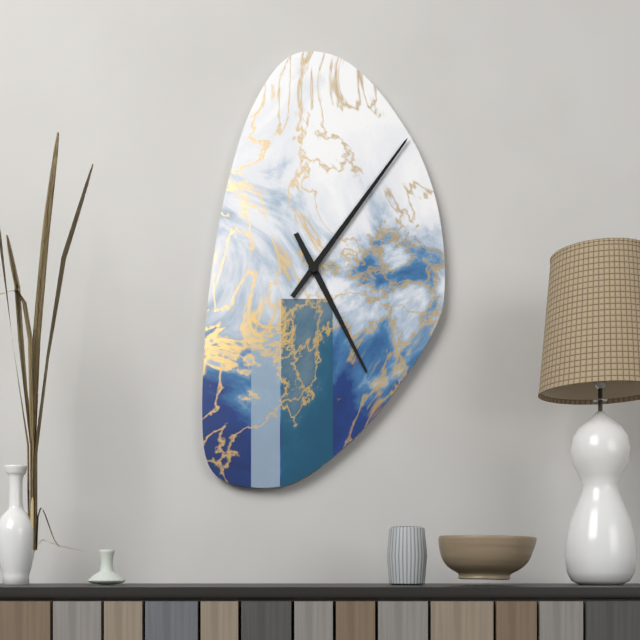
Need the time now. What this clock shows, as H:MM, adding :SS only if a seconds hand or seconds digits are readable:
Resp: 5:06
